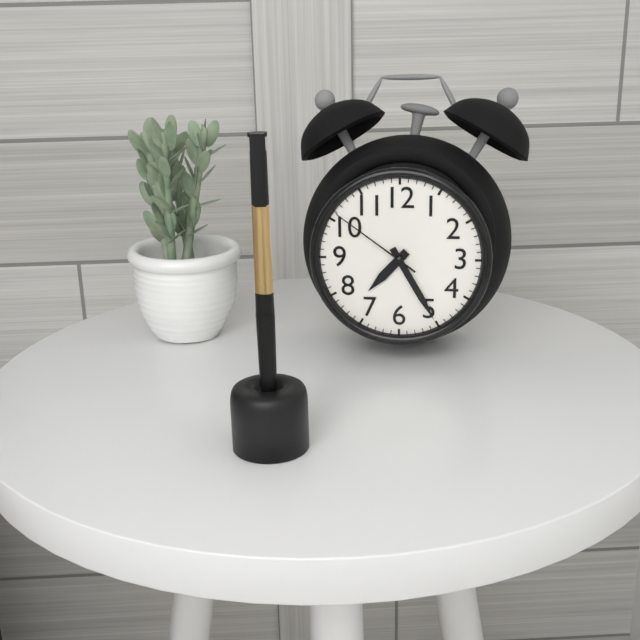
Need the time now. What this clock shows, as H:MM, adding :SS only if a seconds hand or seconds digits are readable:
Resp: 7:25:51
